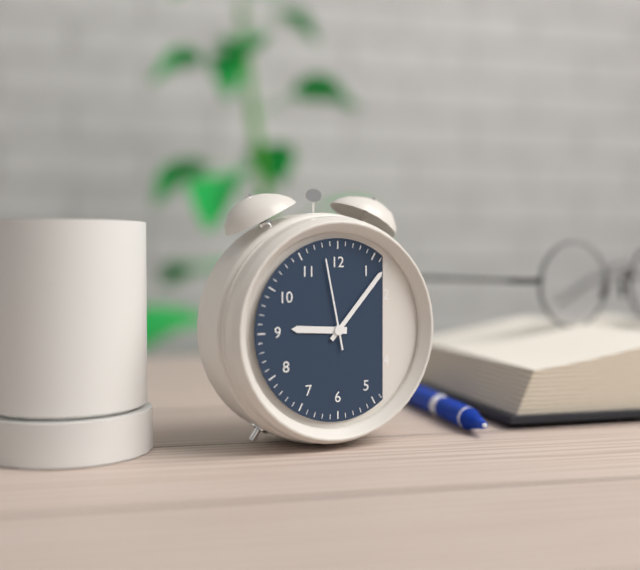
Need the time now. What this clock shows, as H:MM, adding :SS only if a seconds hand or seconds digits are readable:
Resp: 9:07:58
